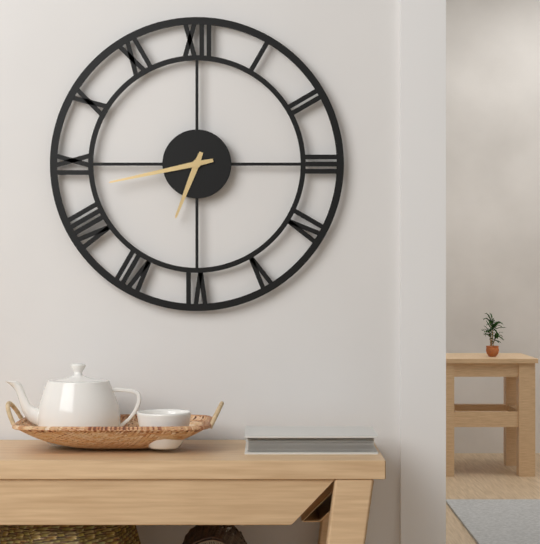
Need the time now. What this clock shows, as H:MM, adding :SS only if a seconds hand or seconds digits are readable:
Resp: 6:43
